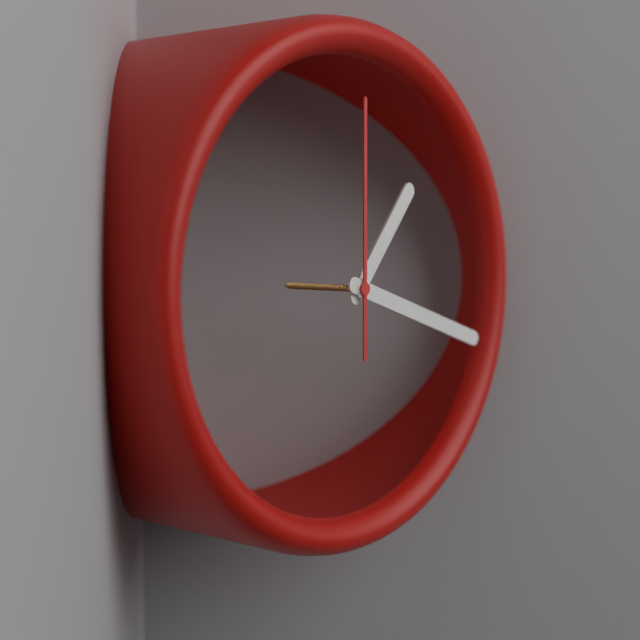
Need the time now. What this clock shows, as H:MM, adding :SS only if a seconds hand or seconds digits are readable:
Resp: 1:18:00
